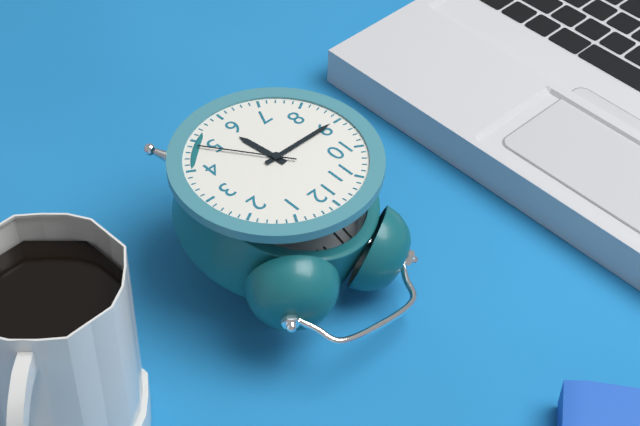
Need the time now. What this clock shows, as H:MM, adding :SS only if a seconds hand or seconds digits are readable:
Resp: 5:45:24
